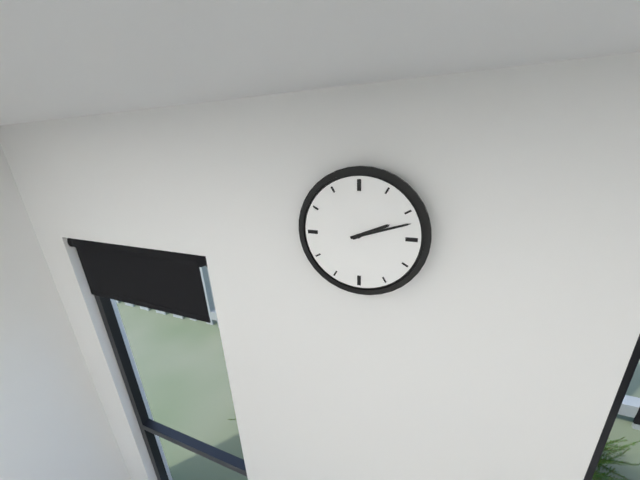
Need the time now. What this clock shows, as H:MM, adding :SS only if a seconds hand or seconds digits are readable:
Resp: 2:12
